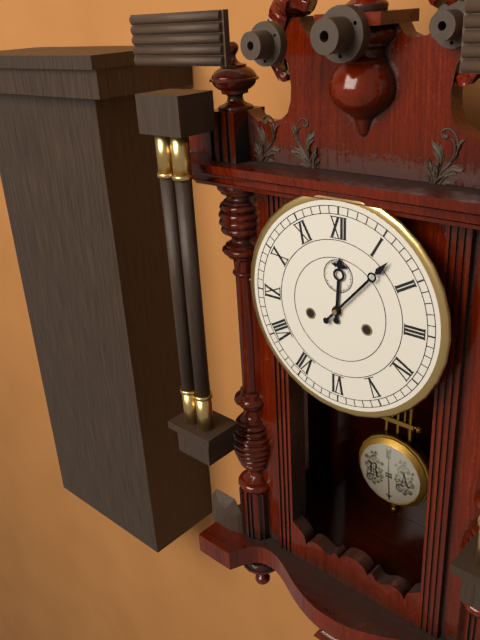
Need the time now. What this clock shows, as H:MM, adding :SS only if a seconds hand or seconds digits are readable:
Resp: 12:07
